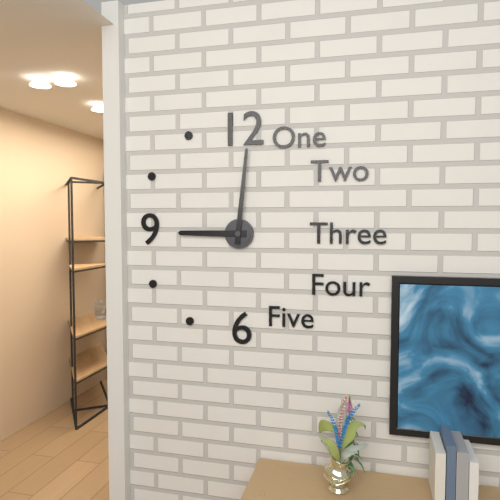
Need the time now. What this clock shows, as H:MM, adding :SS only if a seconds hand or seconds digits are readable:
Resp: 9:01
